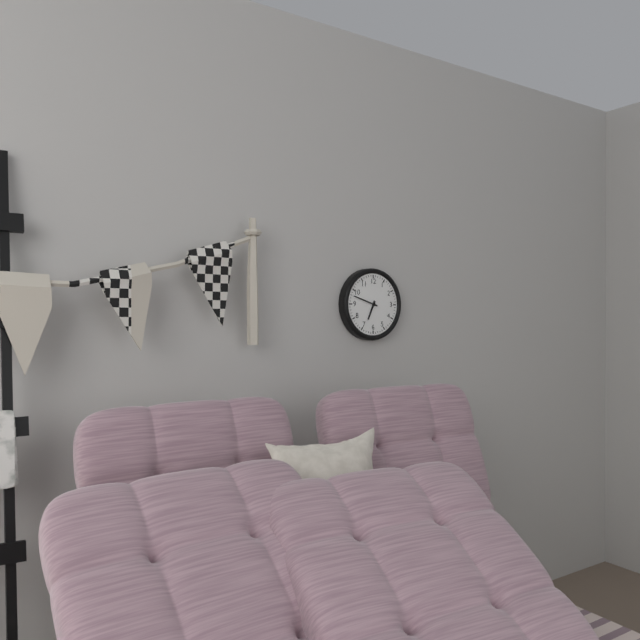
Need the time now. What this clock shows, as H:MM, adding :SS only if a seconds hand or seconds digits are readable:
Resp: 6:48
